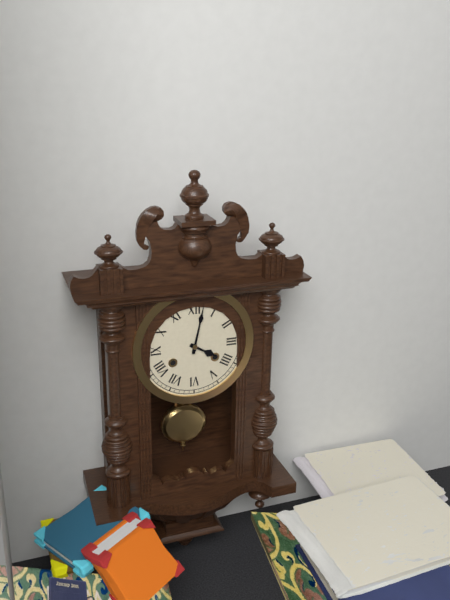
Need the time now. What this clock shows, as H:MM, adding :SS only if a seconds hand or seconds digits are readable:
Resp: 4:02
